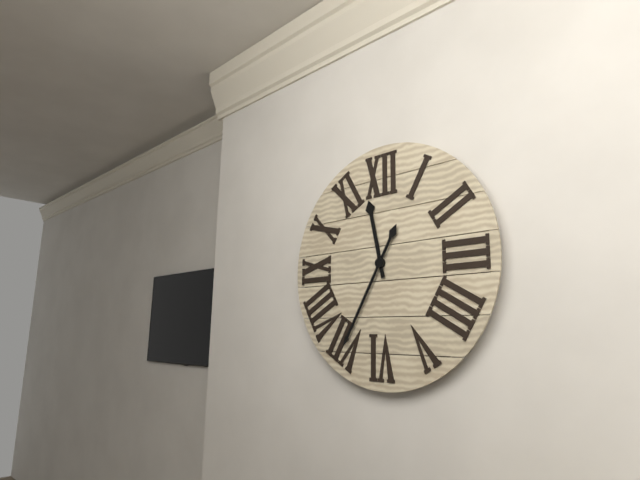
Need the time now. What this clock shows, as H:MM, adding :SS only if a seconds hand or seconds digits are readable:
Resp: 11:35
